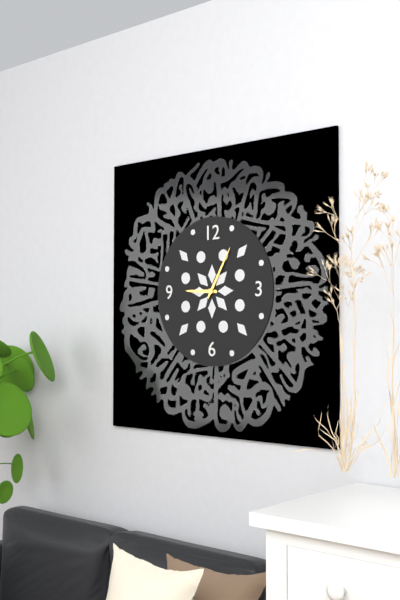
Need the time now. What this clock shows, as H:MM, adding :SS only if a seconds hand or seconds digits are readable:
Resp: 9:05
